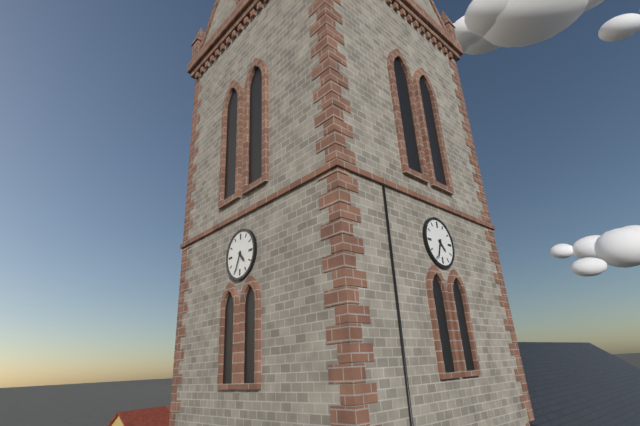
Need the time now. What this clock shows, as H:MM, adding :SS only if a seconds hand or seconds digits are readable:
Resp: 4:34
